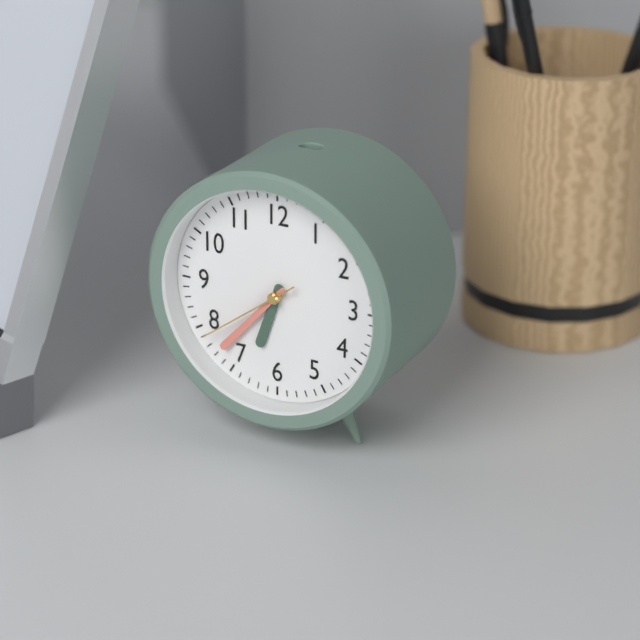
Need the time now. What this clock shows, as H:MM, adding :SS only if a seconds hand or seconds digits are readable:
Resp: 6:37:39
